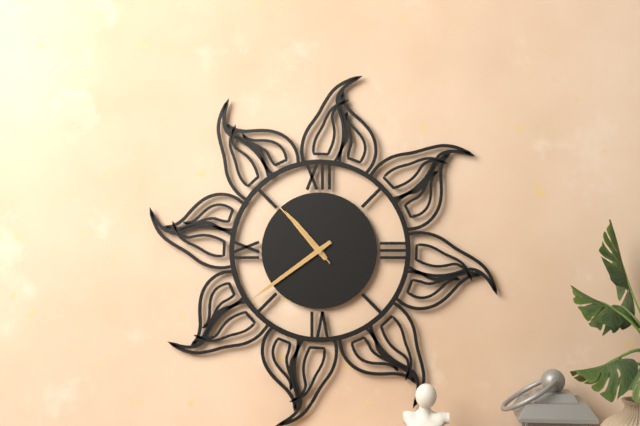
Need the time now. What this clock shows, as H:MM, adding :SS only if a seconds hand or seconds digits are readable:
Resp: 10:39:53
